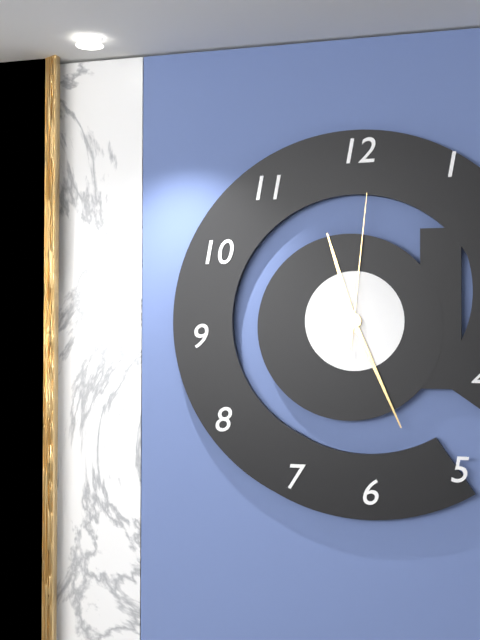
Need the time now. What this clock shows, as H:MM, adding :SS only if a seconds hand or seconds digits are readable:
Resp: 11:26:01
